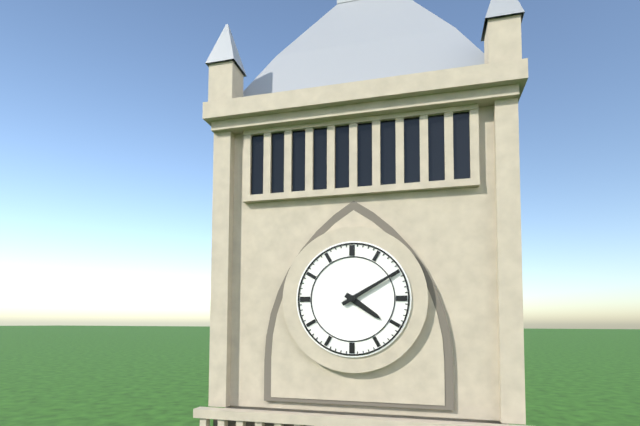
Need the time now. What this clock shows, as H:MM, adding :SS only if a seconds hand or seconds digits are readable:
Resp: 4:10
